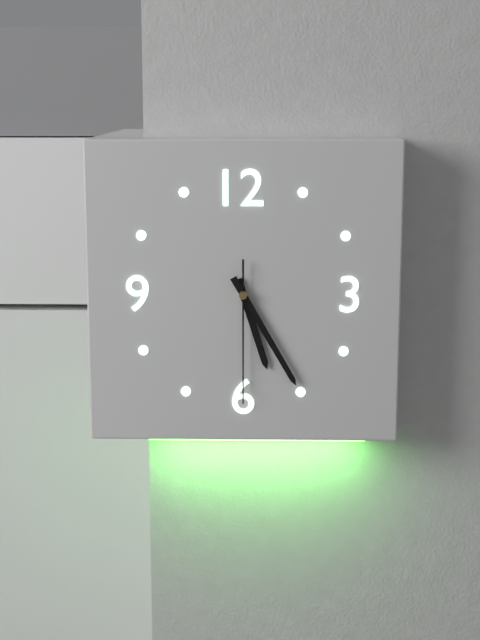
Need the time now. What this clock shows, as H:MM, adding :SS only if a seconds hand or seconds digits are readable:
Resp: 5:25:30
